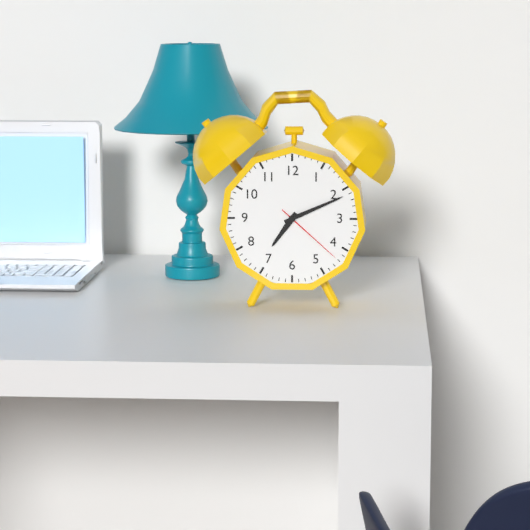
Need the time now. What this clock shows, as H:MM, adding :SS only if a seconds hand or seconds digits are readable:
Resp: 7:11:22
